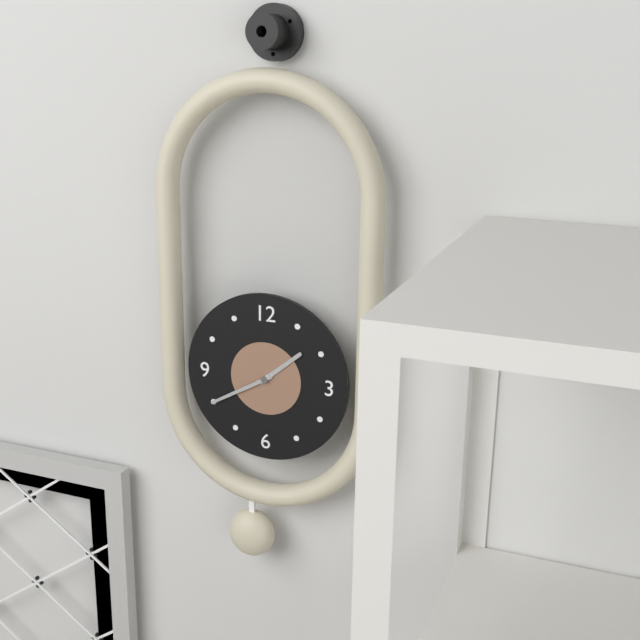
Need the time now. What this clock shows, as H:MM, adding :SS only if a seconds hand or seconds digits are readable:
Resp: 1:40
